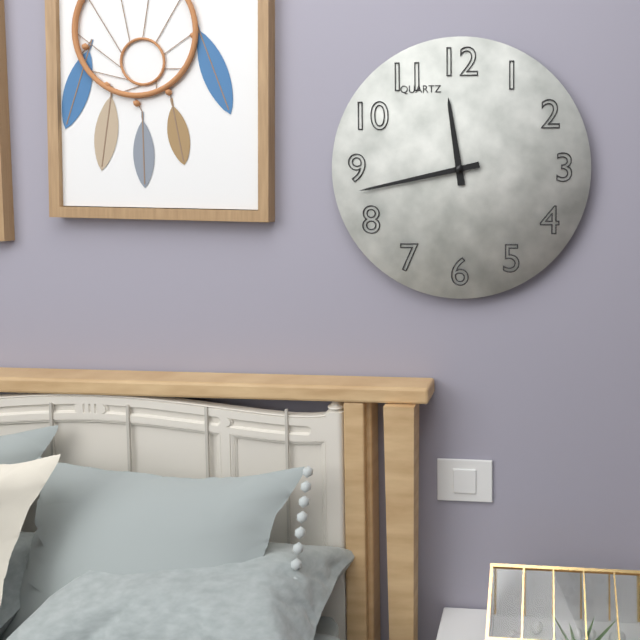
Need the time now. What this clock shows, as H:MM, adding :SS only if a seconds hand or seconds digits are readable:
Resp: 11:43
